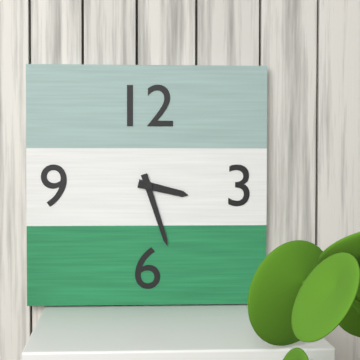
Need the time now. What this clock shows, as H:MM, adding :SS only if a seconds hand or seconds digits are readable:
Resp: 3:27
